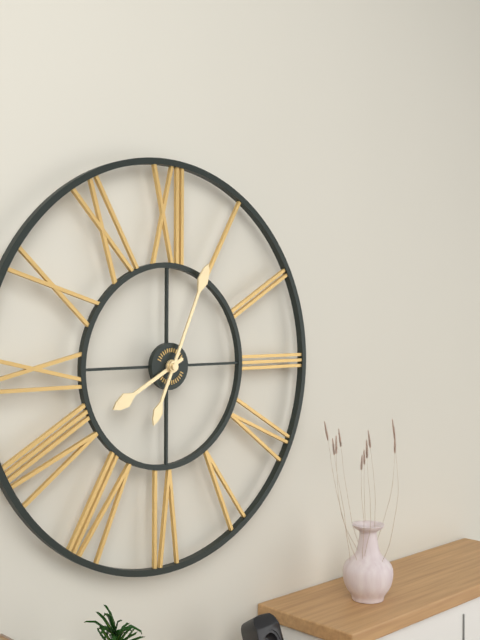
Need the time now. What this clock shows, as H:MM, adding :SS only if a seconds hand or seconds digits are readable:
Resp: 8:04
